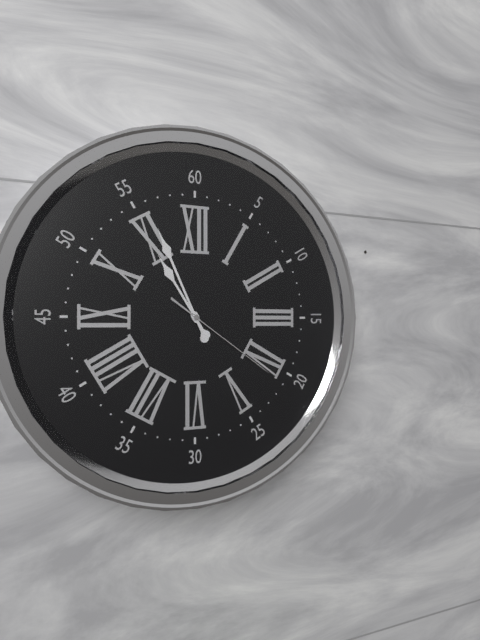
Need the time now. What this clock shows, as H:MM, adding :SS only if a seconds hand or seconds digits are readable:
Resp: 10:56:21
